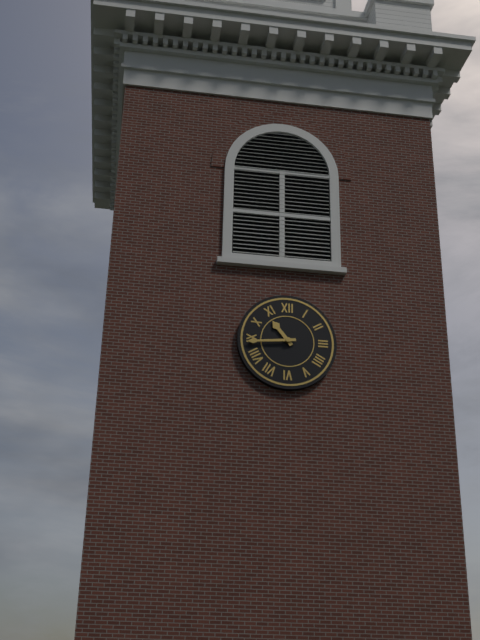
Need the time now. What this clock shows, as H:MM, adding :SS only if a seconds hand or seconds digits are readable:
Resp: 10:44
